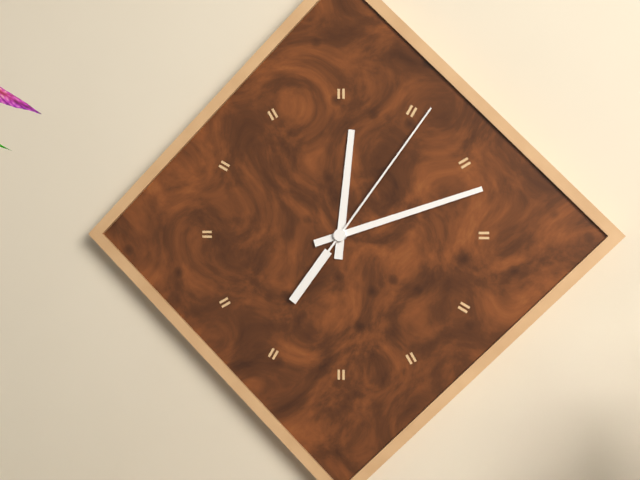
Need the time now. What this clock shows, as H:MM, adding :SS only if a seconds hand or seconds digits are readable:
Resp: 12:12:06
